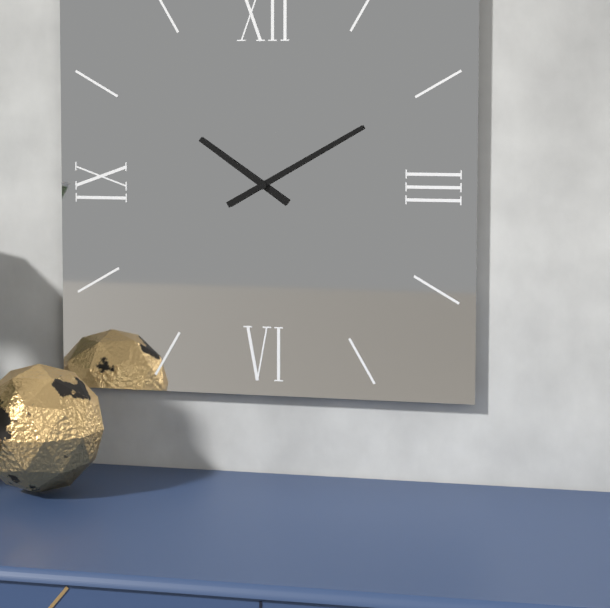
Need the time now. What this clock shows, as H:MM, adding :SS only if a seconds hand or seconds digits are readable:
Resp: 10:10
